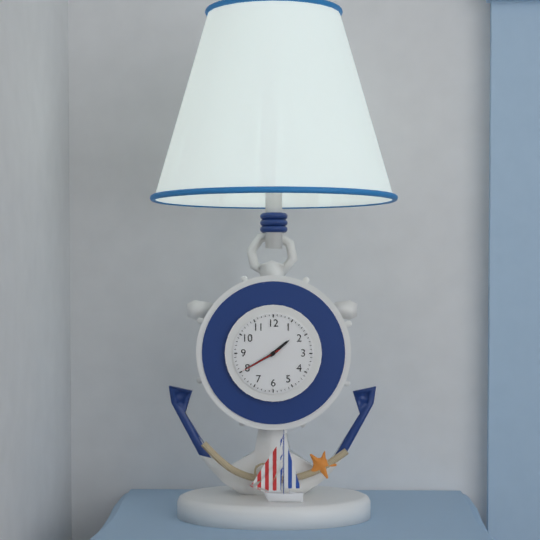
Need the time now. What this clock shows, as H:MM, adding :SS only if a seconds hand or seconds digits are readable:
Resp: 1:40
